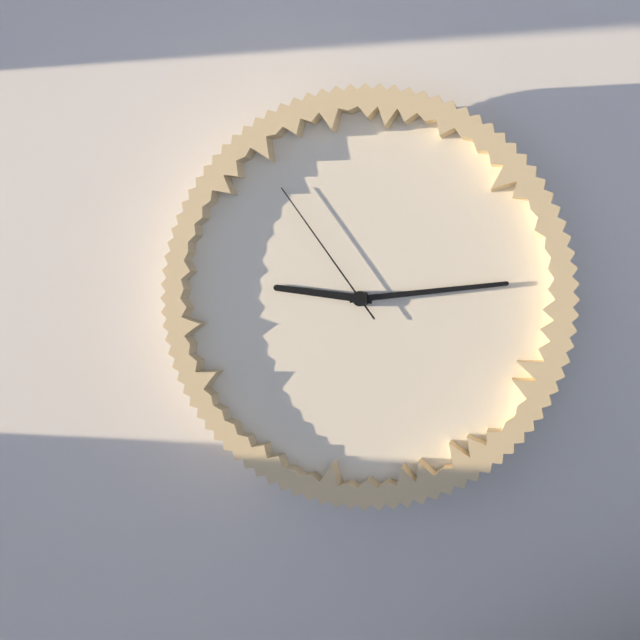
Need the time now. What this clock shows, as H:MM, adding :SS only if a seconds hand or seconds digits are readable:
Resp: 9:14:54
